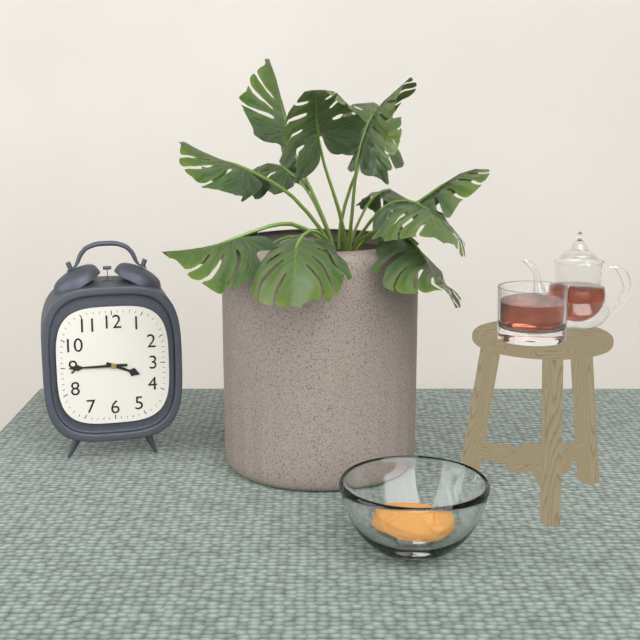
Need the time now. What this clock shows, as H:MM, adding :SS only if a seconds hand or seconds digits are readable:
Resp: 3:45
